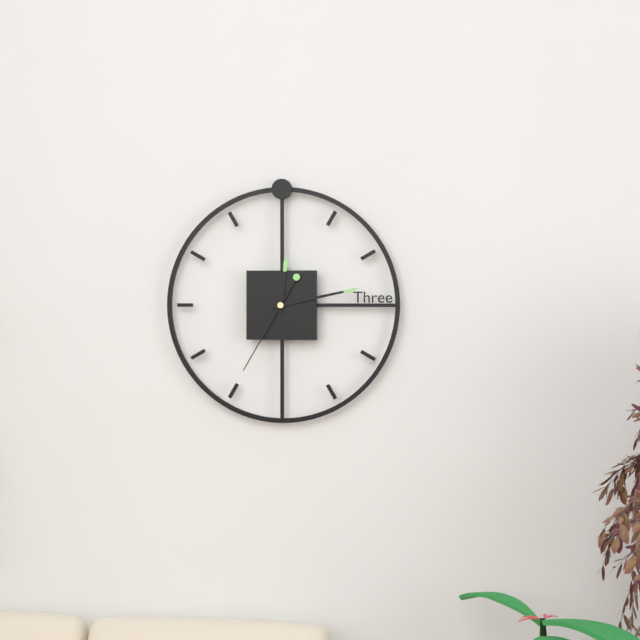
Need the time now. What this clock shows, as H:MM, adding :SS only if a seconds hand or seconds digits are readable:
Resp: 12:13:35
